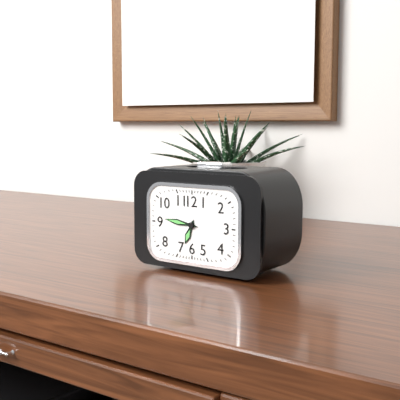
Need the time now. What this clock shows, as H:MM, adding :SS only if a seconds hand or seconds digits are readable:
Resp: 6:46
